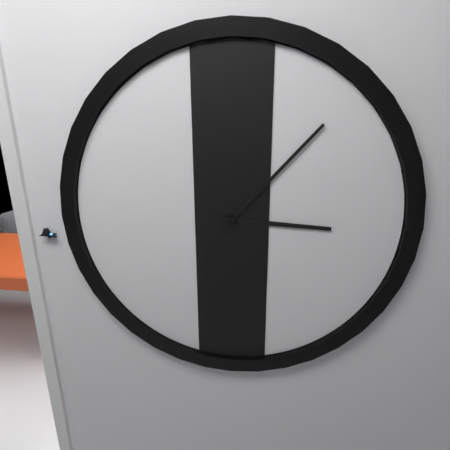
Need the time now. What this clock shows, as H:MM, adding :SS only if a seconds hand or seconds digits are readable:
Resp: 3:07
